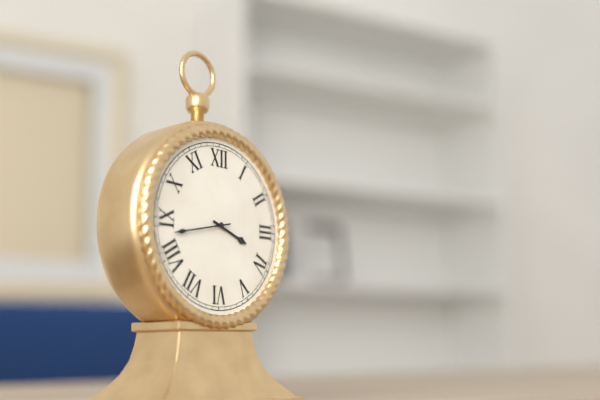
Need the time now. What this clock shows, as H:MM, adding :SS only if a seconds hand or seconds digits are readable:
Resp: 3:43
